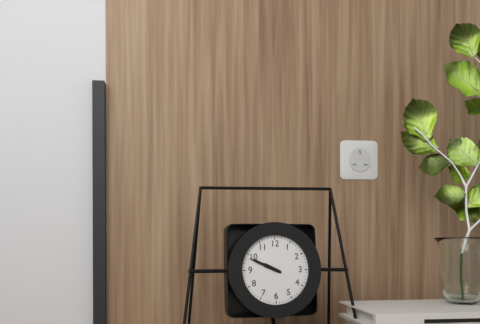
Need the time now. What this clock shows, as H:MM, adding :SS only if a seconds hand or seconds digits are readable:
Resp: 9:49
